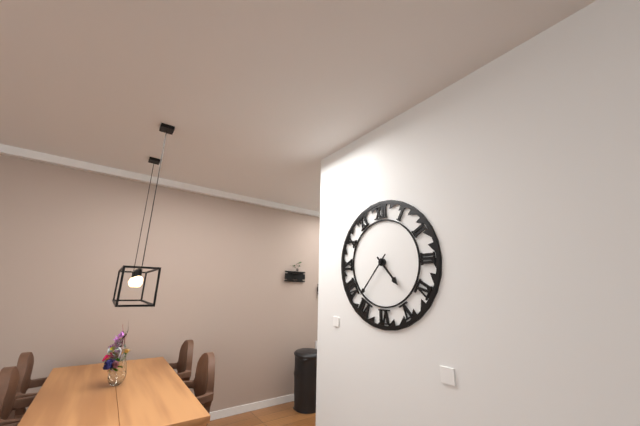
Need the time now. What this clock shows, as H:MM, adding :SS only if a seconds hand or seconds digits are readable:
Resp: 4:37
